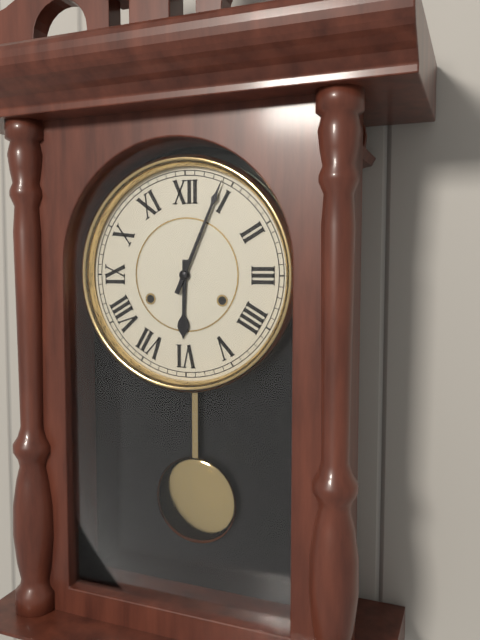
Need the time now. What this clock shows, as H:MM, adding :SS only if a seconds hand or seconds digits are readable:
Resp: 6:04
